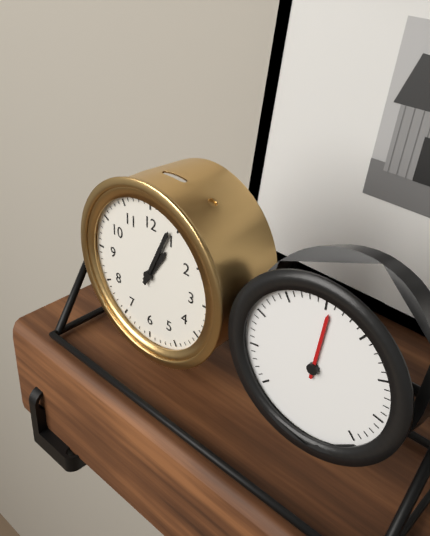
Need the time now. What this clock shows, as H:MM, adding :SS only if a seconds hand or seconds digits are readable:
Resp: 1:04
